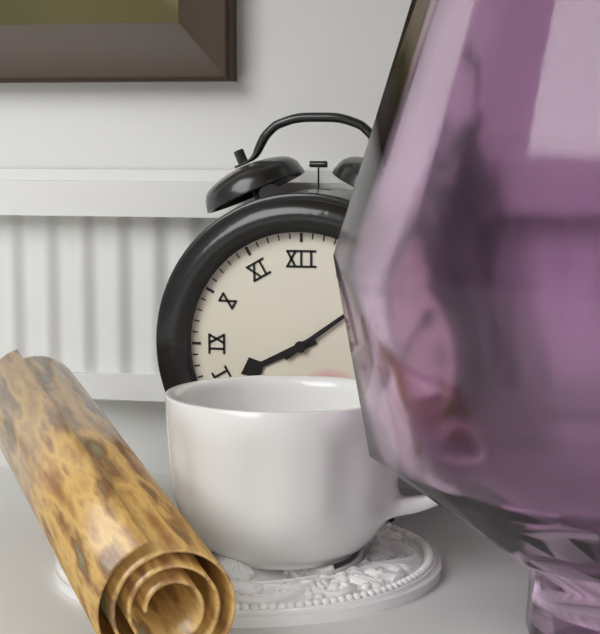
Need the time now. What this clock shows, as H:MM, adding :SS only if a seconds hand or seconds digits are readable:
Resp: 8:09
